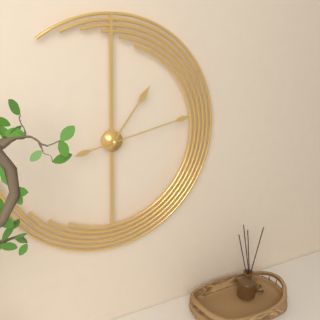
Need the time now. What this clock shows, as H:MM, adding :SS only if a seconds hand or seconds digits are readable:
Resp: 1:13
